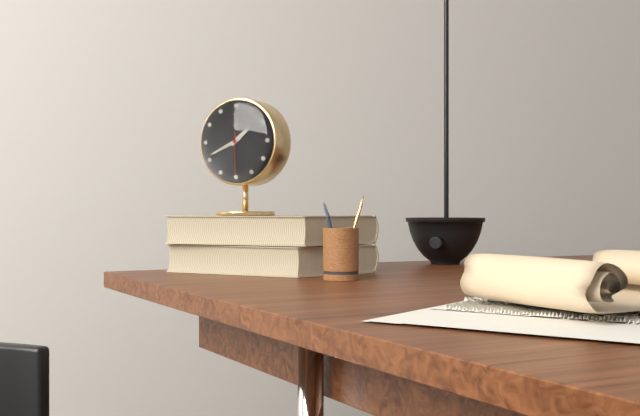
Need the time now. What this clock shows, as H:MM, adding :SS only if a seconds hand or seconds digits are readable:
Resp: 1:41
